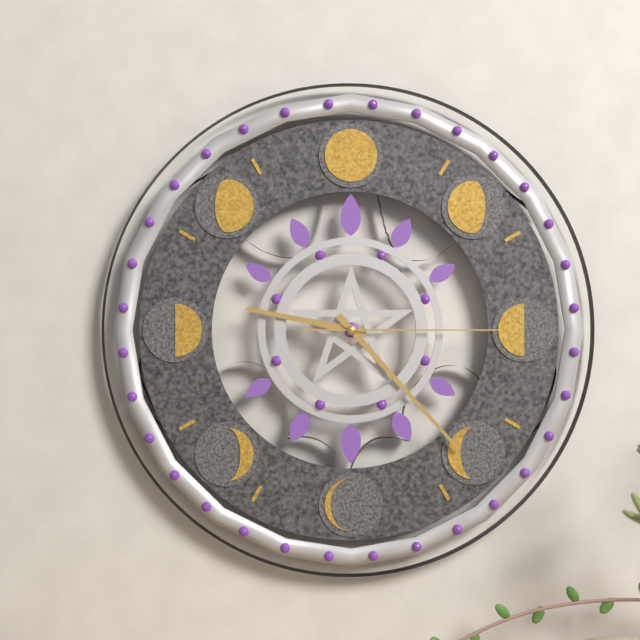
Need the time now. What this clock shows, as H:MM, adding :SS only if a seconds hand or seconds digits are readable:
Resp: 9:23:15
